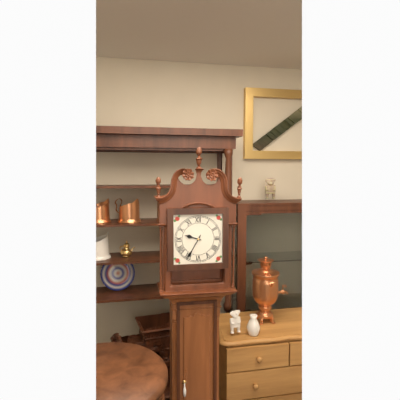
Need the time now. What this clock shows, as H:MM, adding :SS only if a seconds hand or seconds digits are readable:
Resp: 9:35
